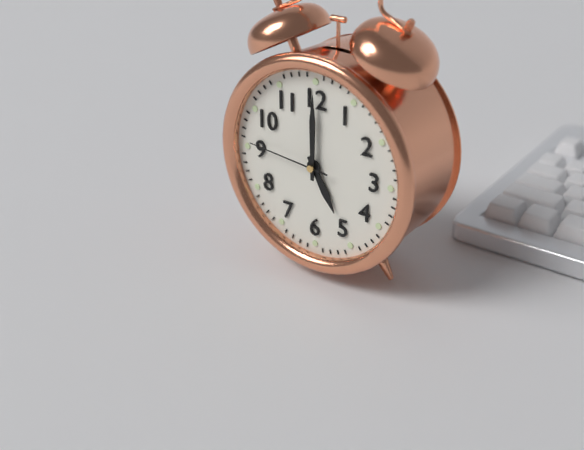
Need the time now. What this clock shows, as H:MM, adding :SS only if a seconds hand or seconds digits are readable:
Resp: 5:00:46
